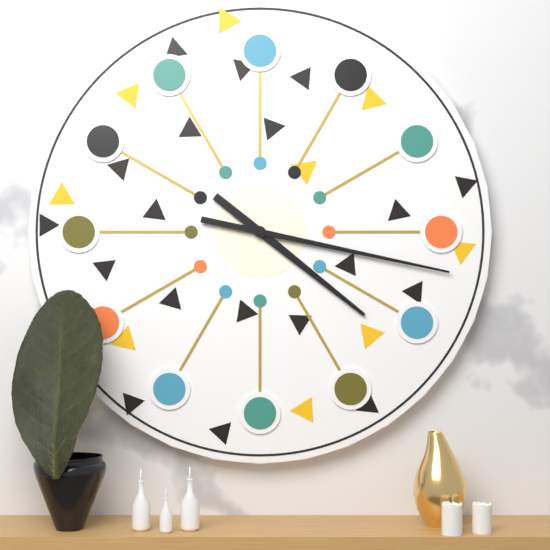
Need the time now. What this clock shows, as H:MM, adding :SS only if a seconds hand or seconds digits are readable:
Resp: 4:17
